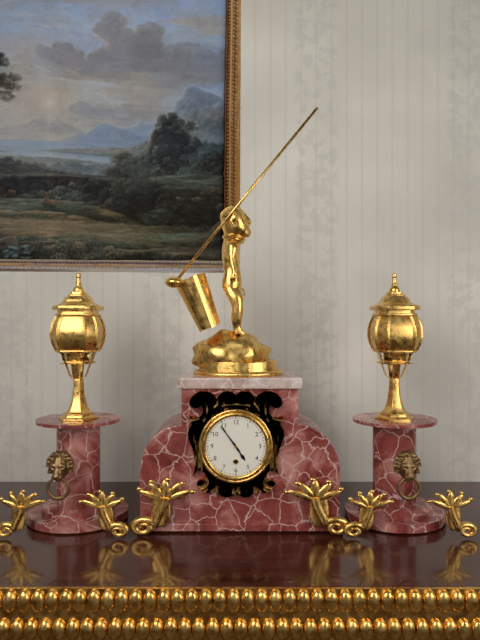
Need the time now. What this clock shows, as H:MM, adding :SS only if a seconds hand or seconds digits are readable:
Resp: 4:54
